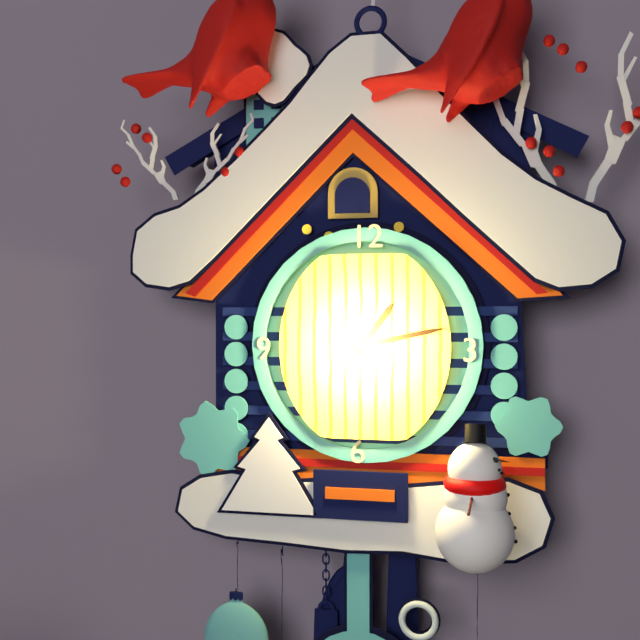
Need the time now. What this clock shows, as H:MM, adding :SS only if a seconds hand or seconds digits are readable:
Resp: 1:13
